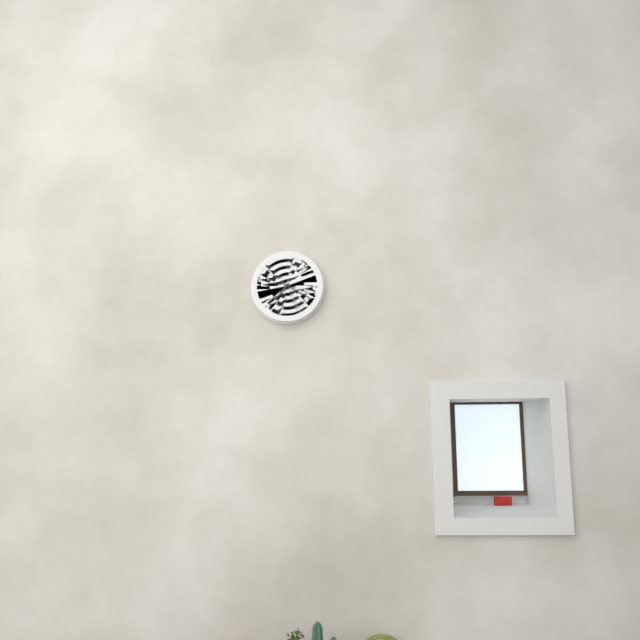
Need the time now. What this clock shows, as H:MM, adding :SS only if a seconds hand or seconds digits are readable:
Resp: 7:20
